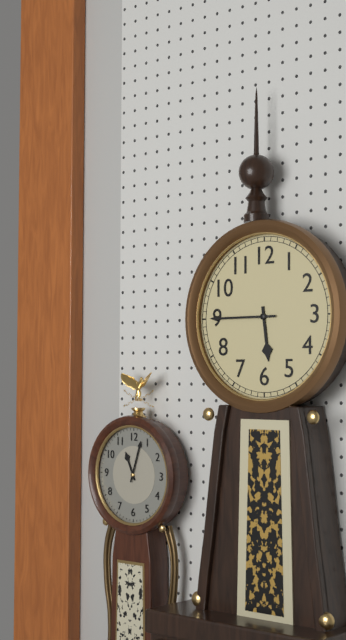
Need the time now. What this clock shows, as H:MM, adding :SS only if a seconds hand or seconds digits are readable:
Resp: 5:45
